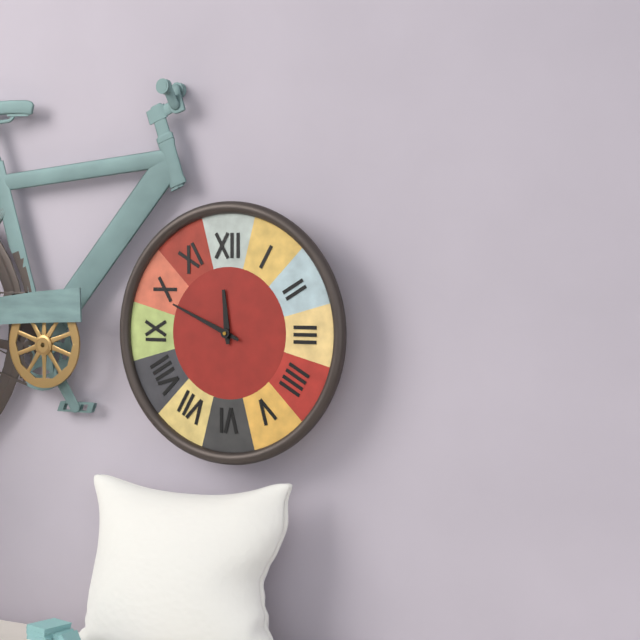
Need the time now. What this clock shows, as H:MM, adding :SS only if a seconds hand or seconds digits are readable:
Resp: 11:49
